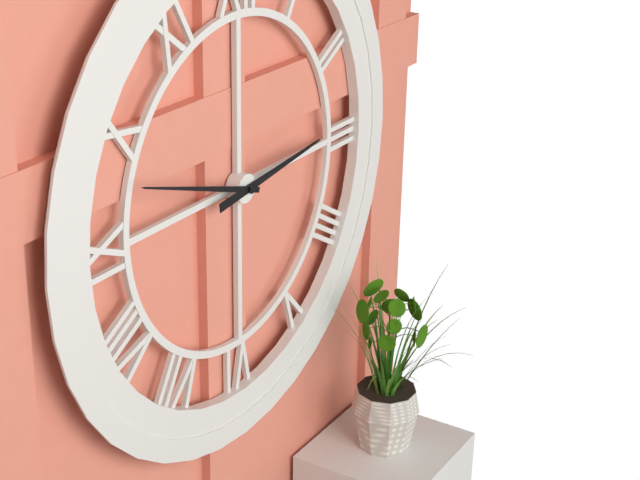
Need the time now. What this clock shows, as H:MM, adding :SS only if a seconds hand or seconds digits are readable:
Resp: 2:48
